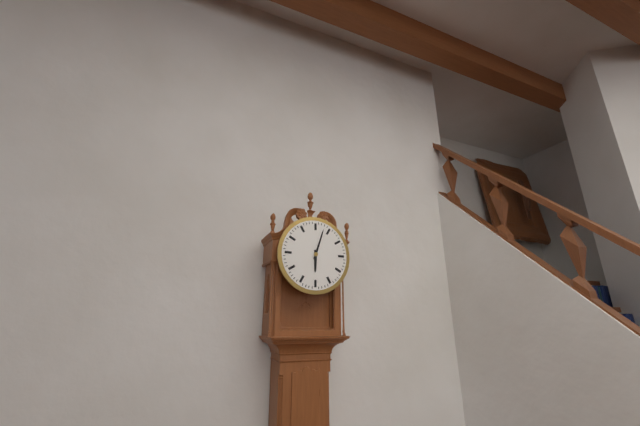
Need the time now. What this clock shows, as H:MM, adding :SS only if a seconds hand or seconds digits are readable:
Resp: 6:03
